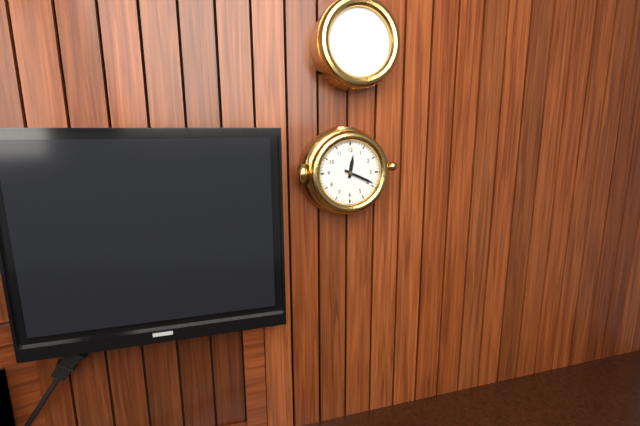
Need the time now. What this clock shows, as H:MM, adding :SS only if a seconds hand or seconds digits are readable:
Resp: 12:19
